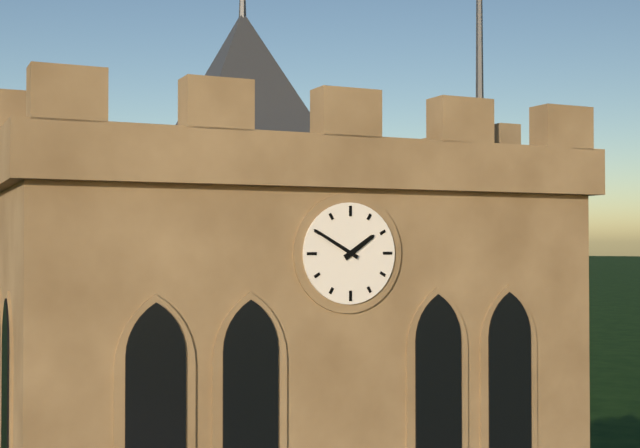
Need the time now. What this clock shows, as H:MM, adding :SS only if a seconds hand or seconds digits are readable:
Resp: 1:50
